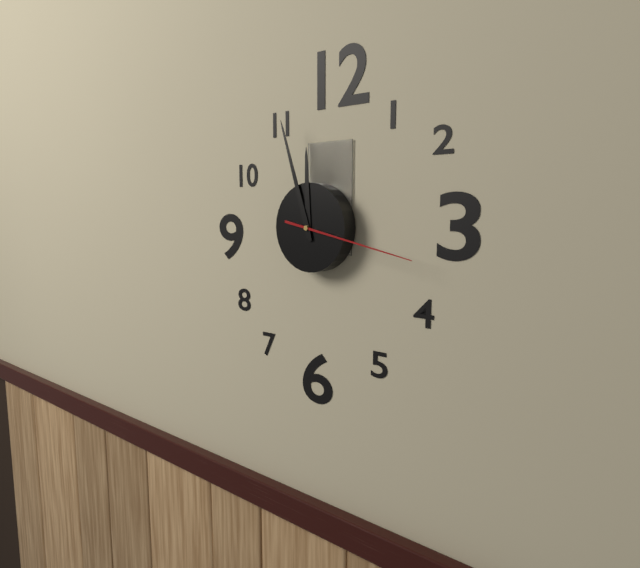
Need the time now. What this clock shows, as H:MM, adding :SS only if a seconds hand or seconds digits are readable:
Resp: 11:57:17
